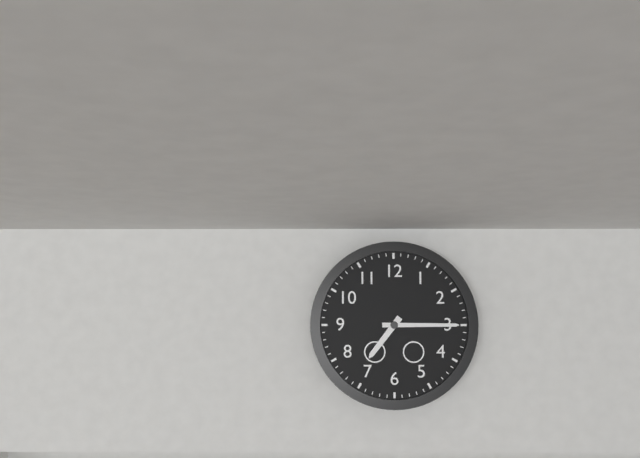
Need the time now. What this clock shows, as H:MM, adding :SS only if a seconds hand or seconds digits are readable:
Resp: 7:15
